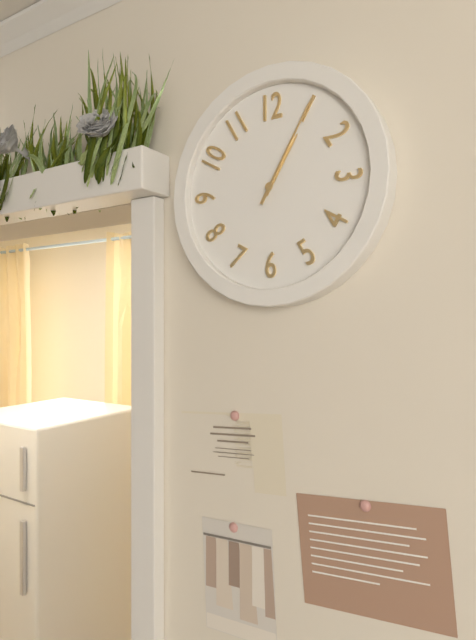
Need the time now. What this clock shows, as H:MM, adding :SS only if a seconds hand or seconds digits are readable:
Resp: 1:05
